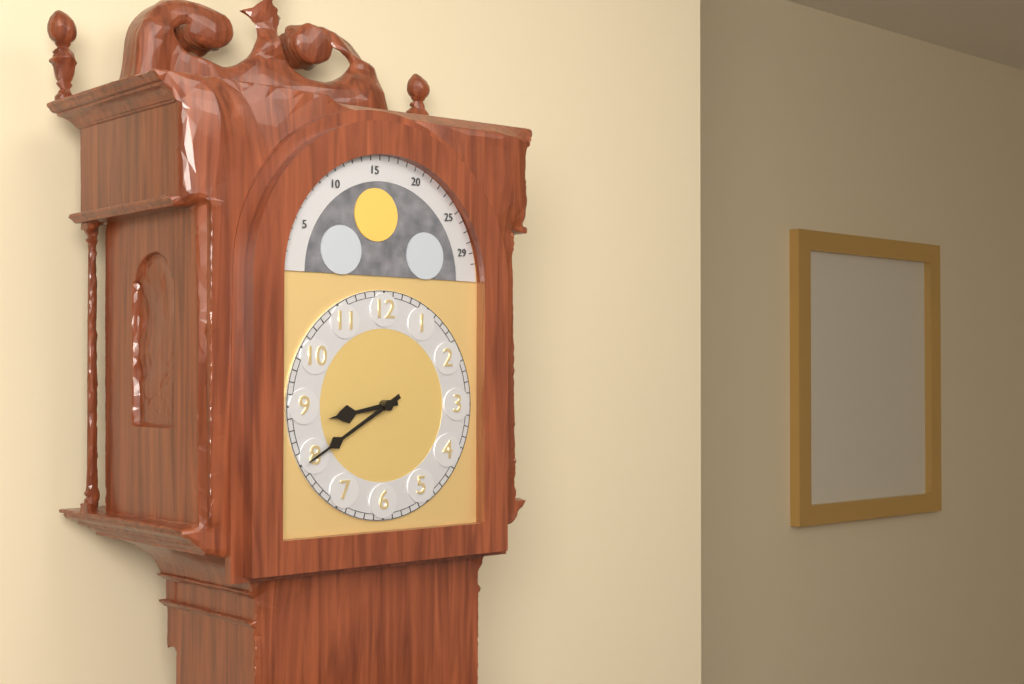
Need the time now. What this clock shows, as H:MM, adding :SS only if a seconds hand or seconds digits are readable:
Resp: 8:40
